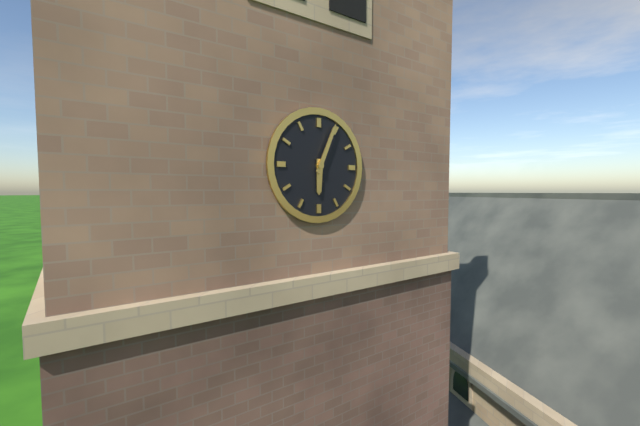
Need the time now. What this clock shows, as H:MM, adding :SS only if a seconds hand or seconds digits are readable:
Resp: 6:04
